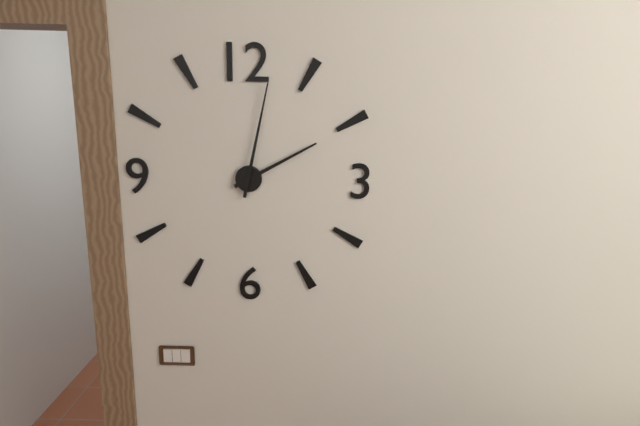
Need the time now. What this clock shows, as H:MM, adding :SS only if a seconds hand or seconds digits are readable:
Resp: 2:02
